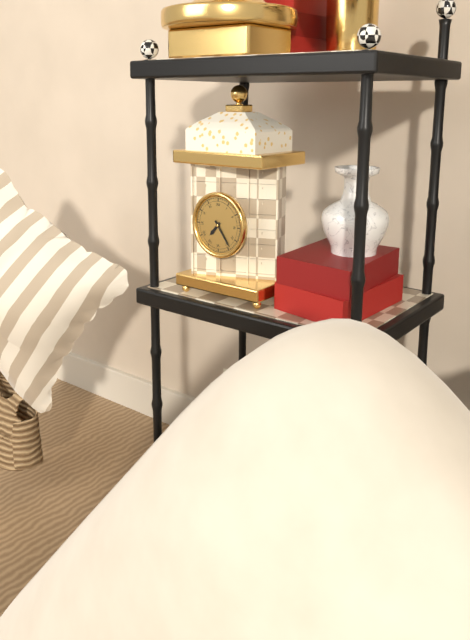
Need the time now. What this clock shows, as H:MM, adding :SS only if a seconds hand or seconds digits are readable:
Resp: 7:24
